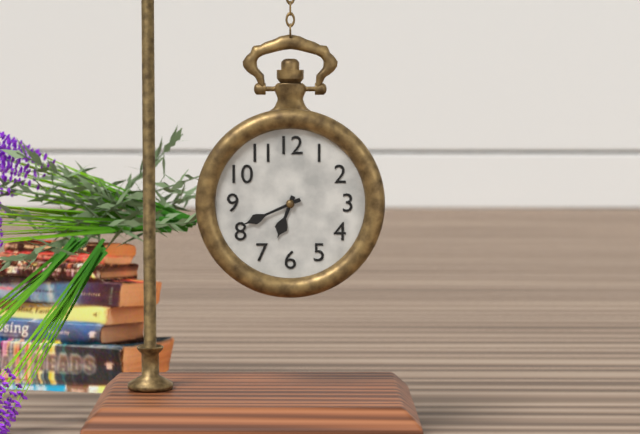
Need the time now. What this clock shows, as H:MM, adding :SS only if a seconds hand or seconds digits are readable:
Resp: 6:41
